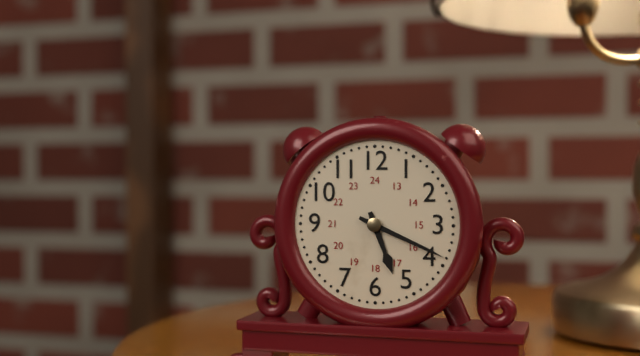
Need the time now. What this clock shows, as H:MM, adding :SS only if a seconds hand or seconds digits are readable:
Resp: 5:19
